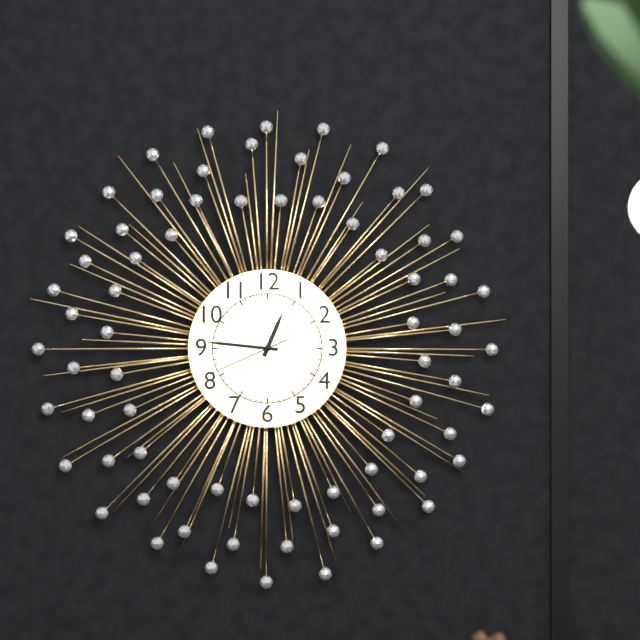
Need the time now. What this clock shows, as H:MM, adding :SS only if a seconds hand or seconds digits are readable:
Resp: 12:46:41
